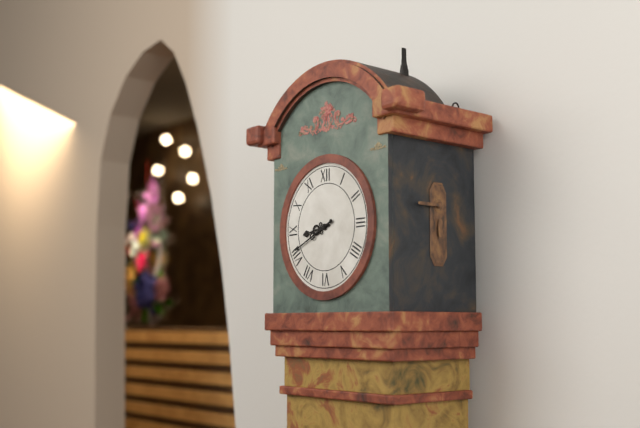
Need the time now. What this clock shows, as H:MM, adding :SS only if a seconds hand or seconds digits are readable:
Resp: 8:41
